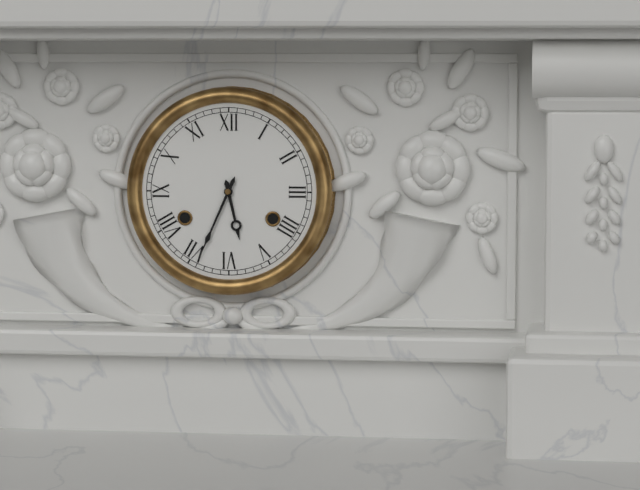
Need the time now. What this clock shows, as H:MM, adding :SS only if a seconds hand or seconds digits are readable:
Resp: 5:34
